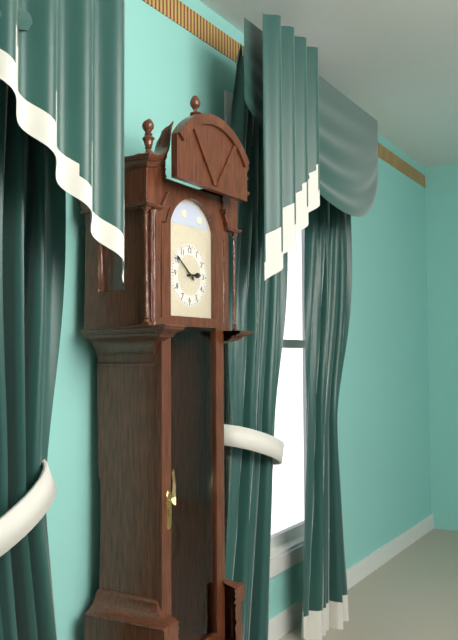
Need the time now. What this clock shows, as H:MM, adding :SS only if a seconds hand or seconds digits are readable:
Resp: 2:51
